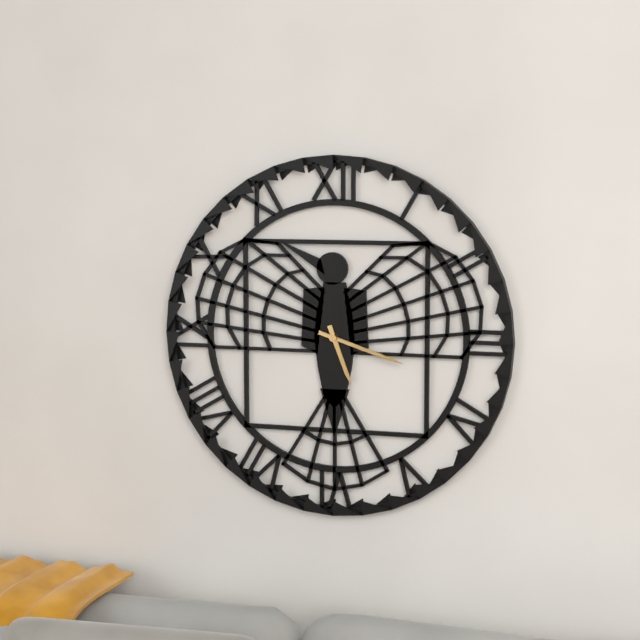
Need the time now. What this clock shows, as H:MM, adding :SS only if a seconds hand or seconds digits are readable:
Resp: 5:18
